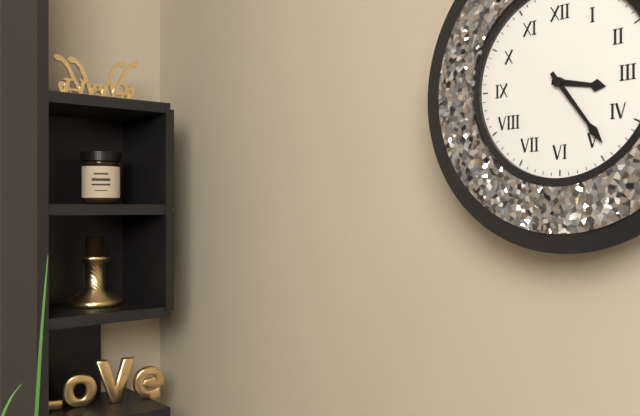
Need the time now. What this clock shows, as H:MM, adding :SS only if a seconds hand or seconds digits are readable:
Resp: 3:24
